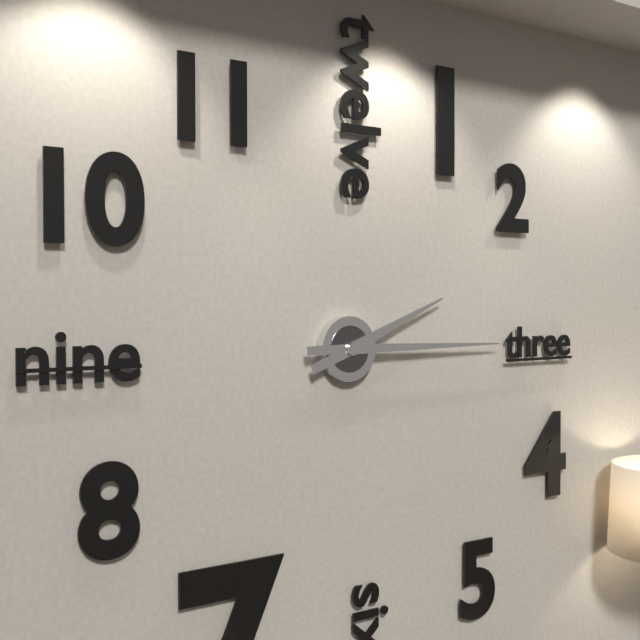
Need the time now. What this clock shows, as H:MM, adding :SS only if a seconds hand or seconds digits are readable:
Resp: 2:15
